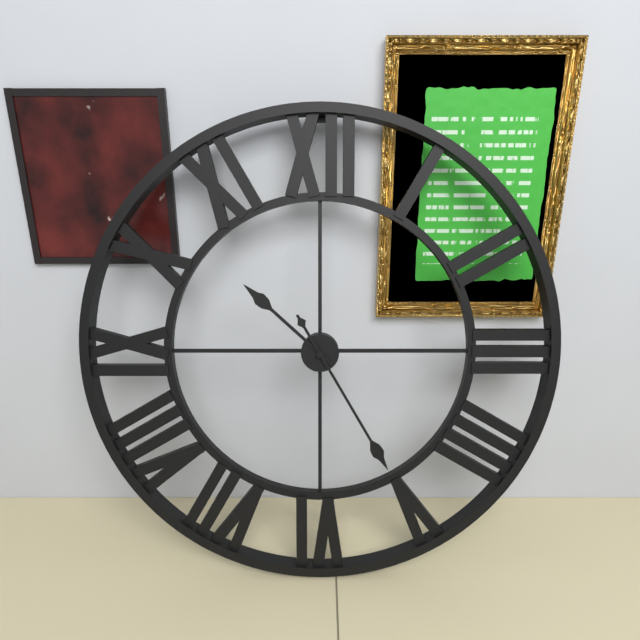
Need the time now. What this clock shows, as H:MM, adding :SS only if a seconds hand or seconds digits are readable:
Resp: 10:25
